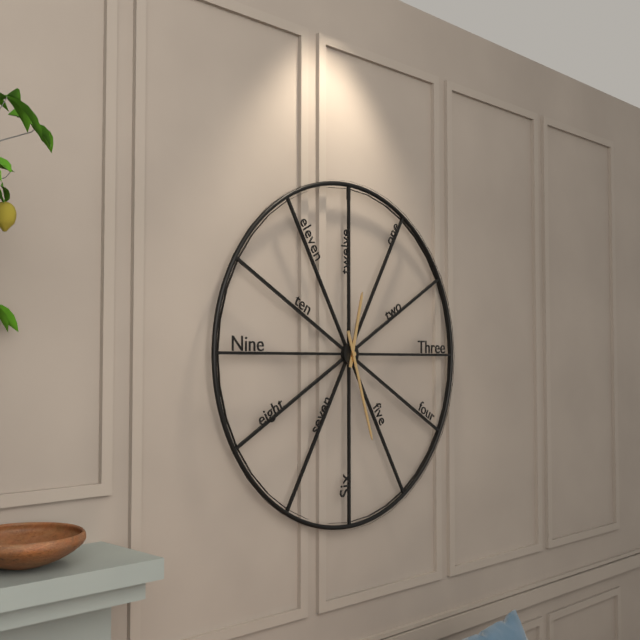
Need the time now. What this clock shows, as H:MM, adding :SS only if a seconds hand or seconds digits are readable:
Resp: 12:27
